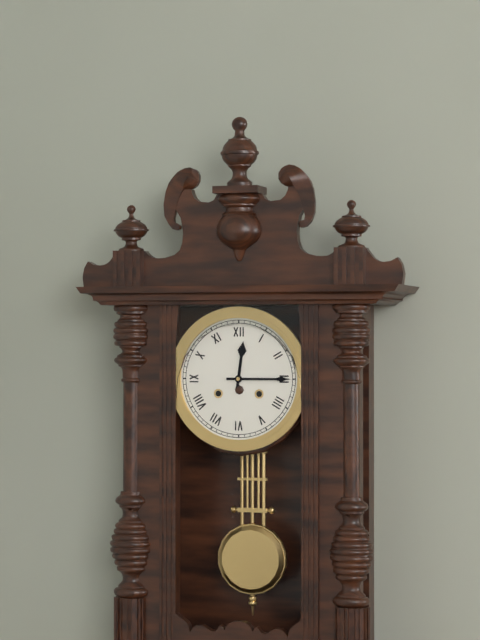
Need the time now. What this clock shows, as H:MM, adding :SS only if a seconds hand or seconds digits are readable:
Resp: 12:15
